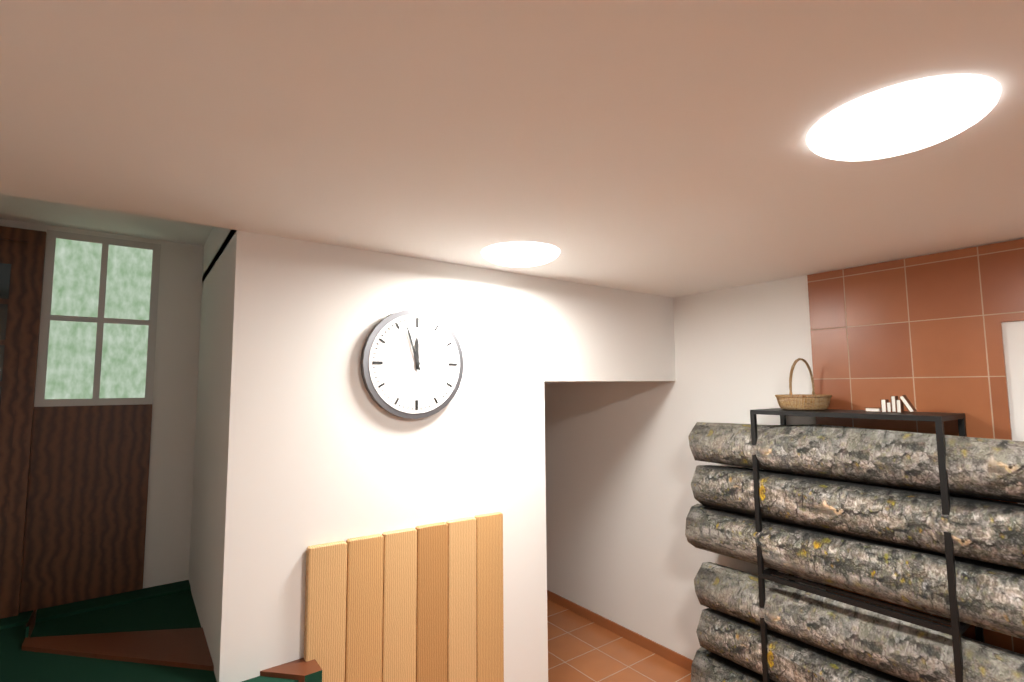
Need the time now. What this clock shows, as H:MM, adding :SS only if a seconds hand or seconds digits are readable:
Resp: 11:57
